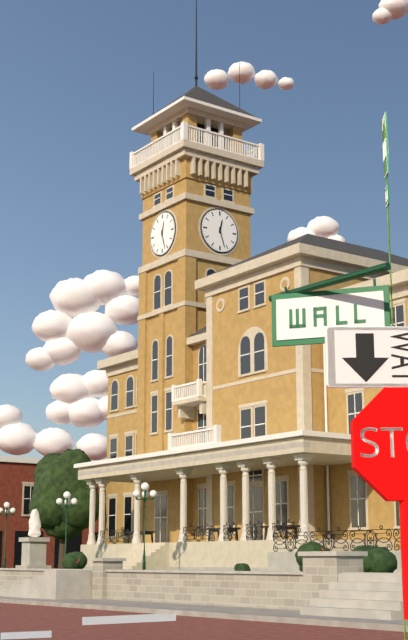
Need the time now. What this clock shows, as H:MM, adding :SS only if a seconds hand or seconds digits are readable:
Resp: 12:27
